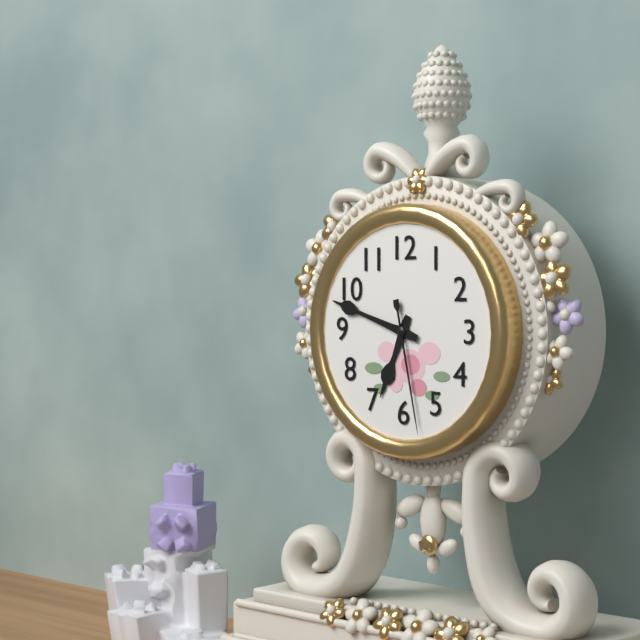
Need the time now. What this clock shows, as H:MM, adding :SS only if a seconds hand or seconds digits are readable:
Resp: 6:48:28
